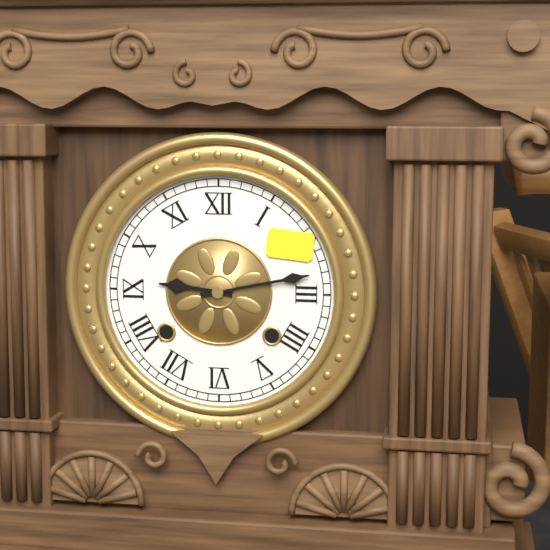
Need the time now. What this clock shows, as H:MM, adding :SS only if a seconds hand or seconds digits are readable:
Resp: 9:13
